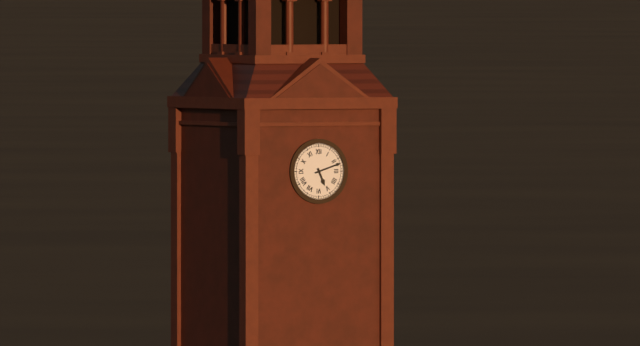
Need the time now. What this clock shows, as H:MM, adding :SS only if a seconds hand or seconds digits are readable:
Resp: 5:12
